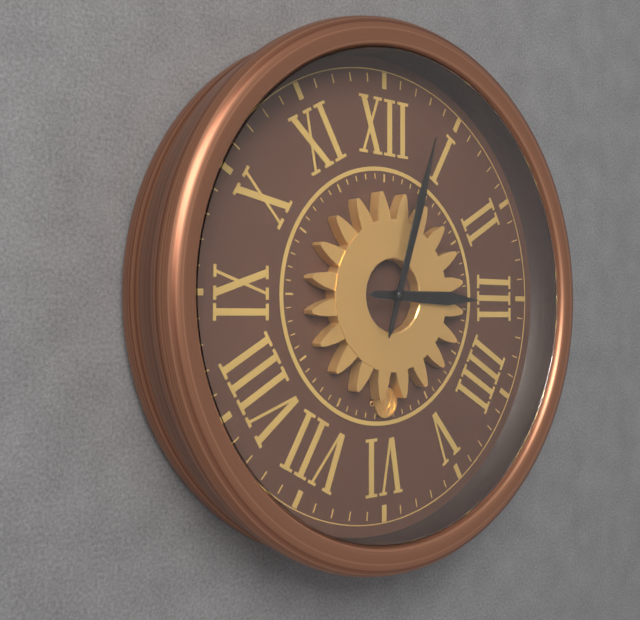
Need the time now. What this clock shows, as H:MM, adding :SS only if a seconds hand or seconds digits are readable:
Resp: 3:03
